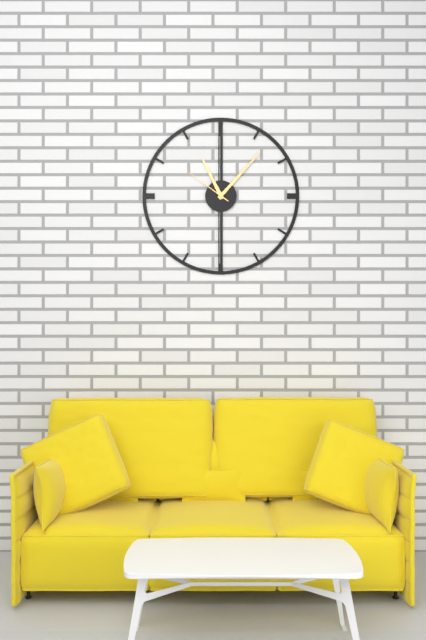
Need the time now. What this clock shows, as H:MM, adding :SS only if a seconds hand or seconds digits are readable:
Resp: 11:07:51
